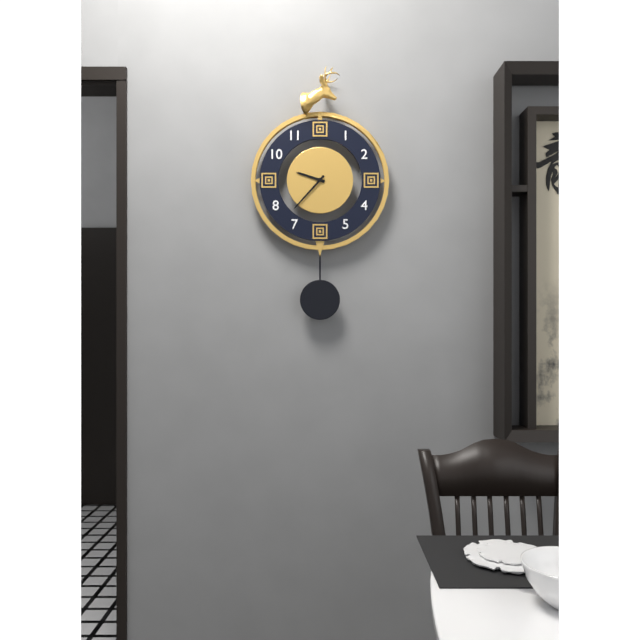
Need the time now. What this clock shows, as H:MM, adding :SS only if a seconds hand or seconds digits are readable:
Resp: 9:37
